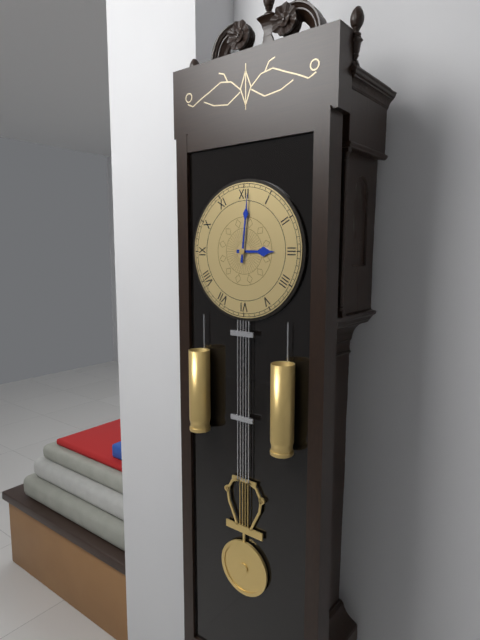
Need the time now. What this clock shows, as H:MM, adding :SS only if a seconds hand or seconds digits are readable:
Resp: 3:01
